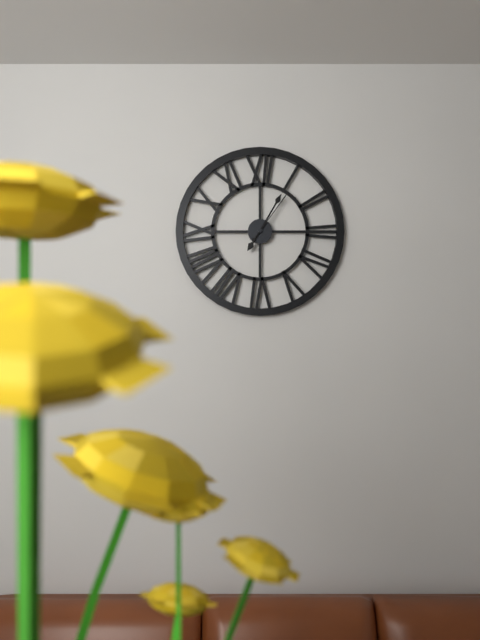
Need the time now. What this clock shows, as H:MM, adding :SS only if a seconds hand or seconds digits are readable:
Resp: 7:05:06
